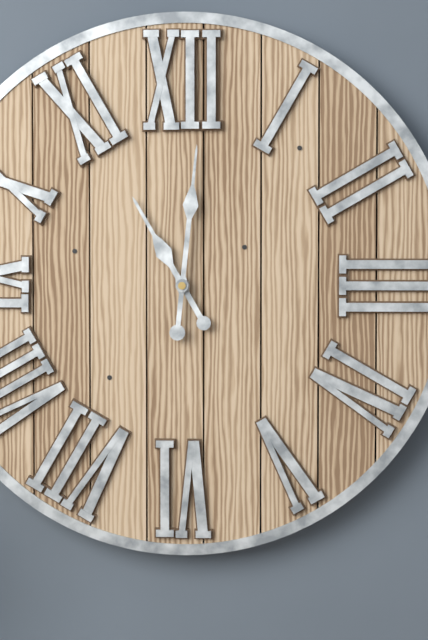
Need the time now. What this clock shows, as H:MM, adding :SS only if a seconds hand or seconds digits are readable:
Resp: 11:01
